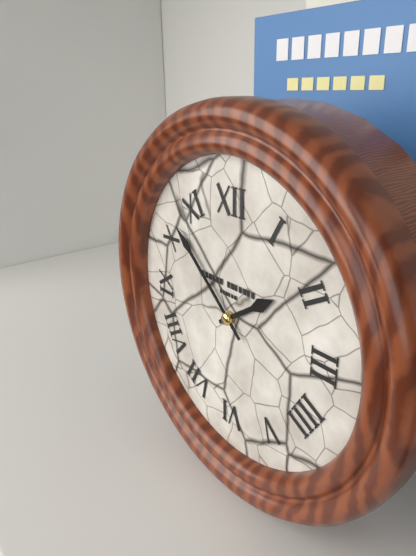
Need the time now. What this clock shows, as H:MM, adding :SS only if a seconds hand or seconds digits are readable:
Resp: 1:52
